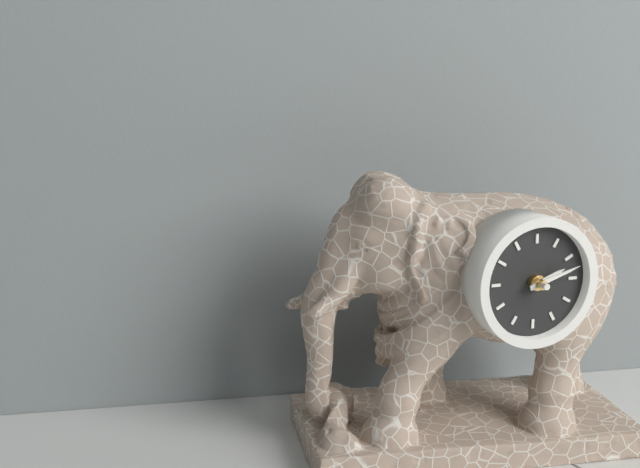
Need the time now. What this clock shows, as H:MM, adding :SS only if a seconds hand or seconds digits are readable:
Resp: 2:12
